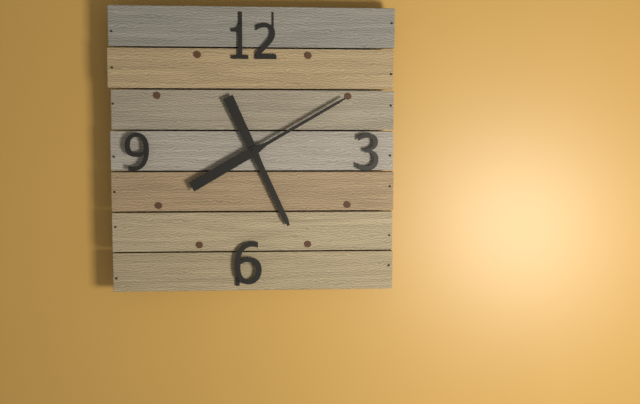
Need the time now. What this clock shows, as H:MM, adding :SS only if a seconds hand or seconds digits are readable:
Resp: 5:10
